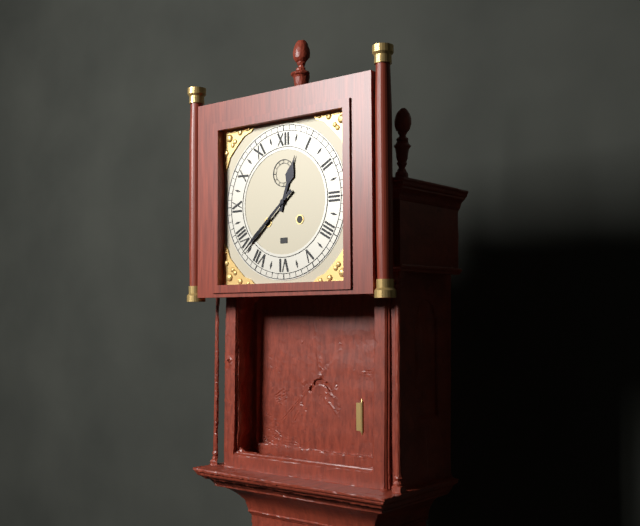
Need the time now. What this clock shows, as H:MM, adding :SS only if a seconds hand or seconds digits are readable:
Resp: 12:38
